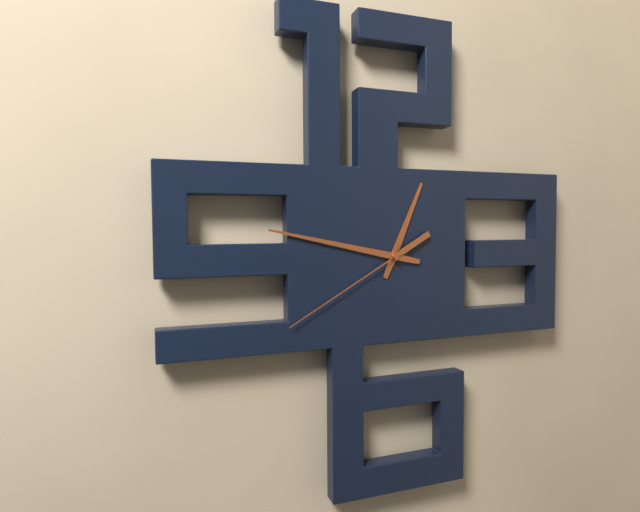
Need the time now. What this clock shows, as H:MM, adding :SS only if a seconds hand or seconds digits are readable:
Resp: 12:47:40
